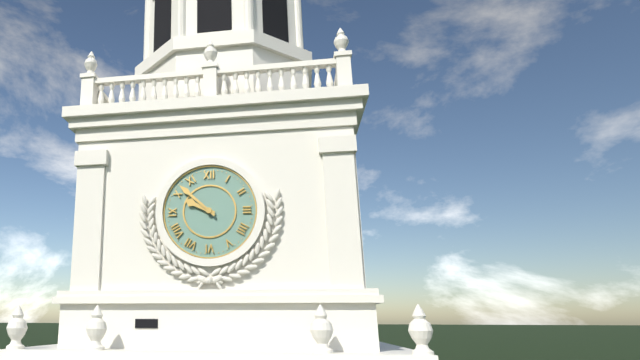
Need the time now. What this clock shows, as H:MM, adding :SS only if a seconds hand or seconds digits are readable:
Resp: 9:52
